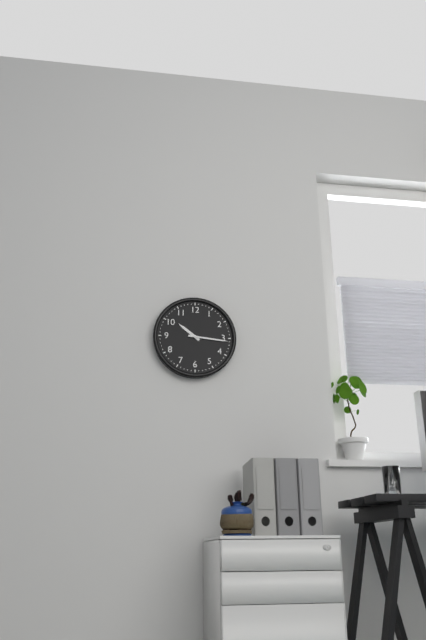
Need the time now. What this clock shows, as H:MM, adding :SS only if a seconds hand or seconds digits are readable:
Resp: 10:16
